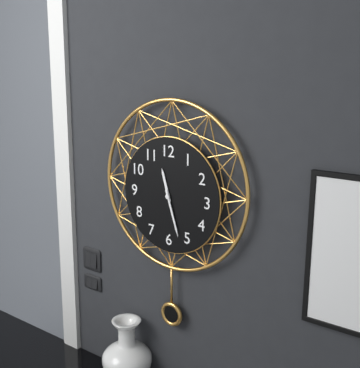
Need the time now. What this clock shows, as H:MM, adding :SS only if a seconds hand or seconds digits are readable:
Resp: 11:27
